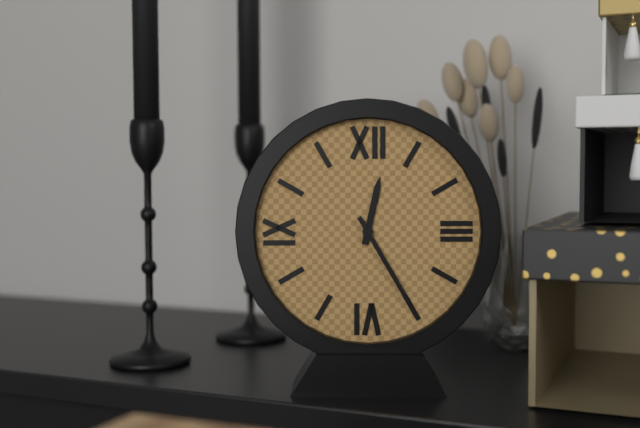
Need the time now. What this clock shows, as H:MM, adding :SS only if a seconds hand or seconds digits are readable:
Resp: 12:25
